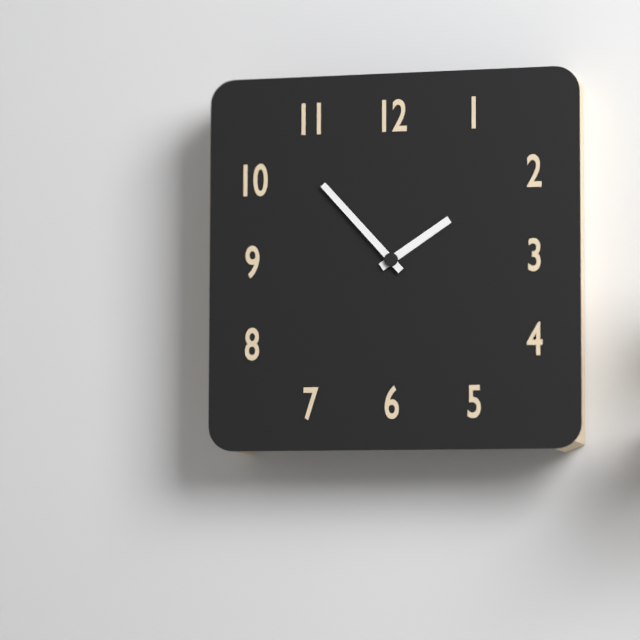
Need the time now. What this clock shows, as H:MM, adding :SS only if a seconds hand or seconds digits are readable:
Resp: 1:53
